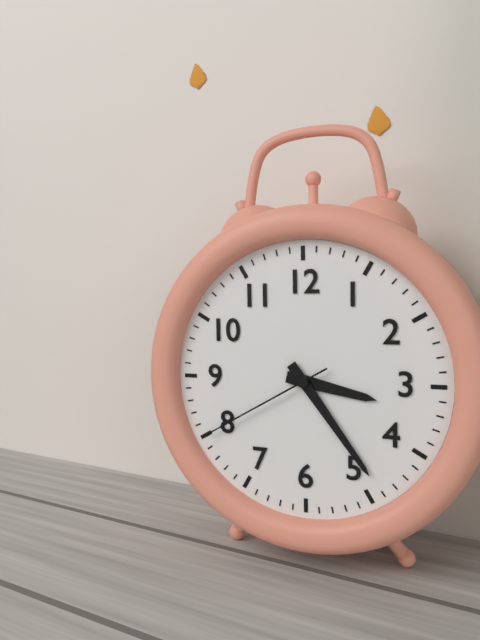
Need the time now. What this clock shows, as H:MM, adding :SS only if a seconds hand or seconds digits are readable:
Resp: 3:24:40
